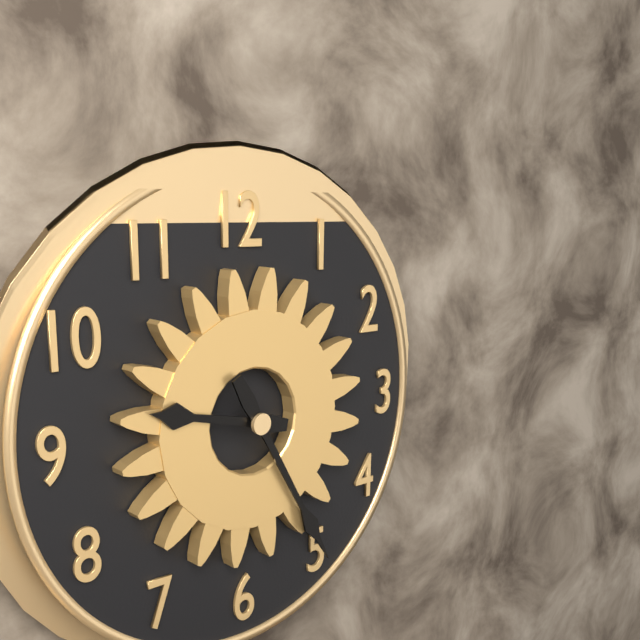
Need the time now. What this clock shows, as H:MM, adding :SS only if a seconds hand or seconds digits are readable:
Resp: 9:25
